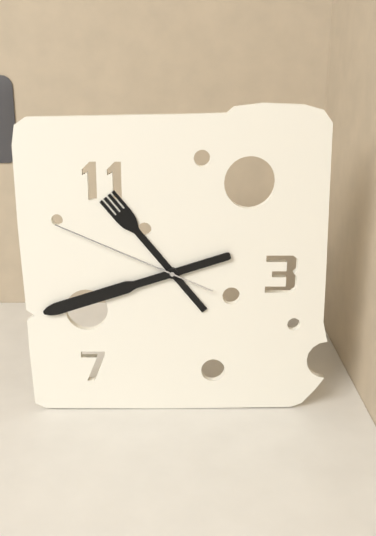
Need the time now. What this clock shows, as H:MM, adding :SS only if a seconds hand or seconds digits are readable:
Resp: 10:42:49
